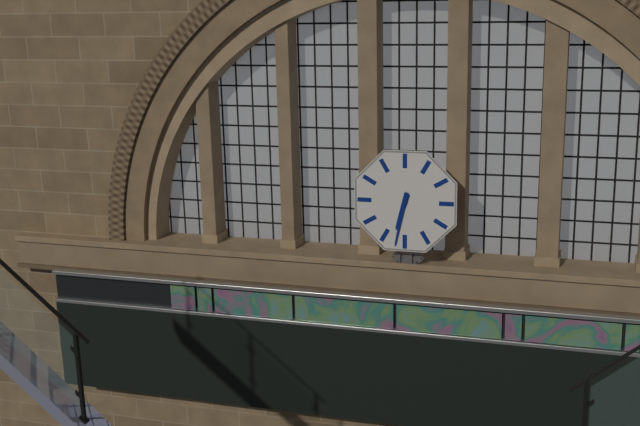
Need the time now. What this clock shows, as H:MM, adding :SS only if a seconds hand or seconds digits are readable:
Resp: 6:32
